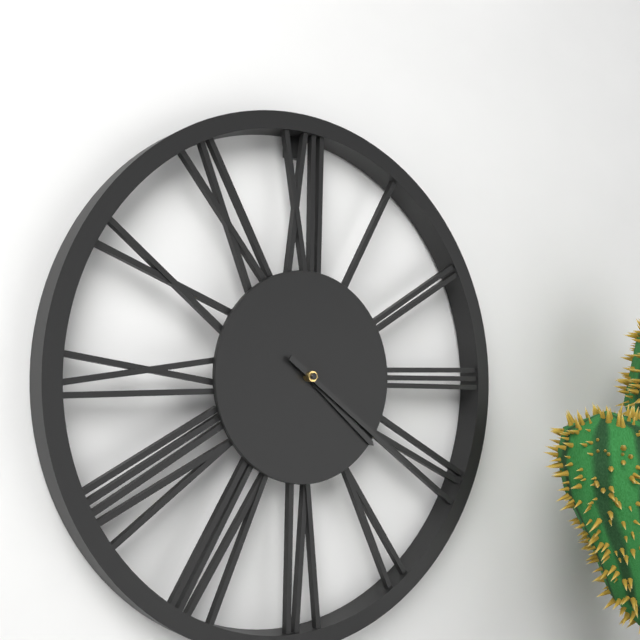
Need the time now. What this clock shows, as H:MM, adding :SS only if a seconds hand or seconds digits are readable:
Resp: 4:21
